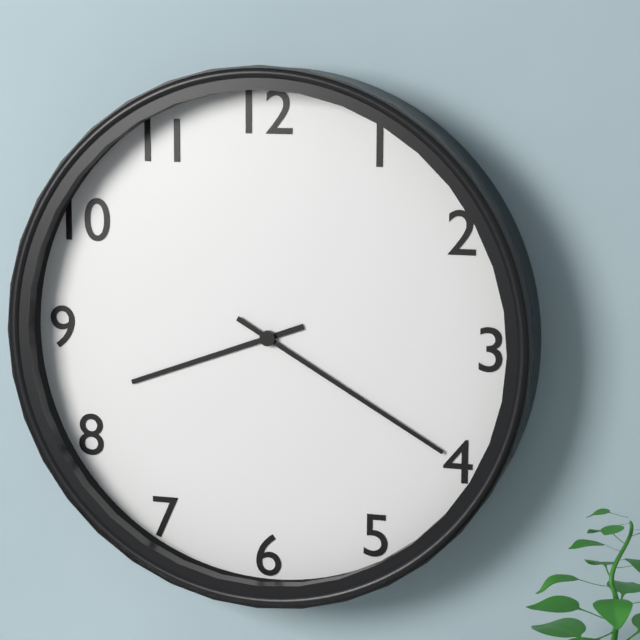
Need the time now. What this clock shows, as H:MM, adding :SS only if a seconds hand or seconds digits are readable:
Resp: 8:20
